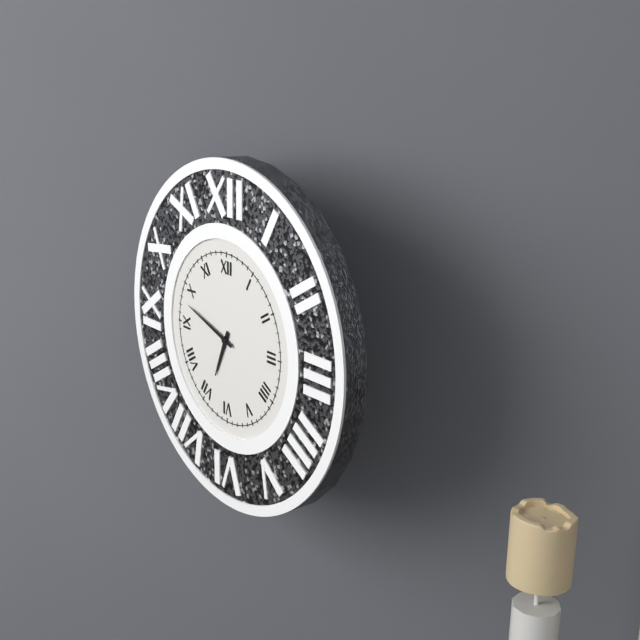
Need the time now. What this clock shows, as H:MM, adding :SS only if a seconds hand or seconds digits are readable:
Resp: 6:48
